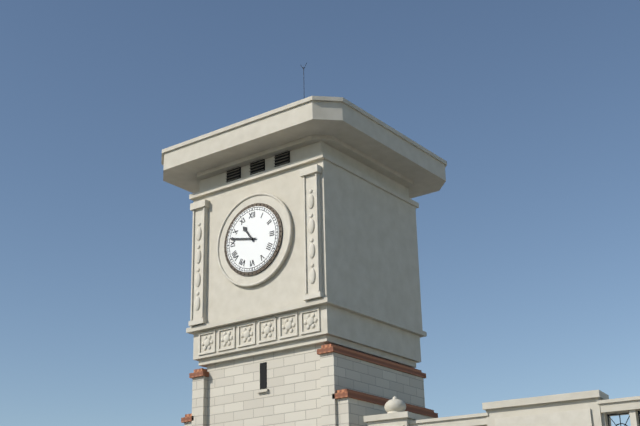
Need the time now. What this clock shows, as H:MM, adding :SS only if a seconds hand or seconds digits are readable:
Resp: 10:47
